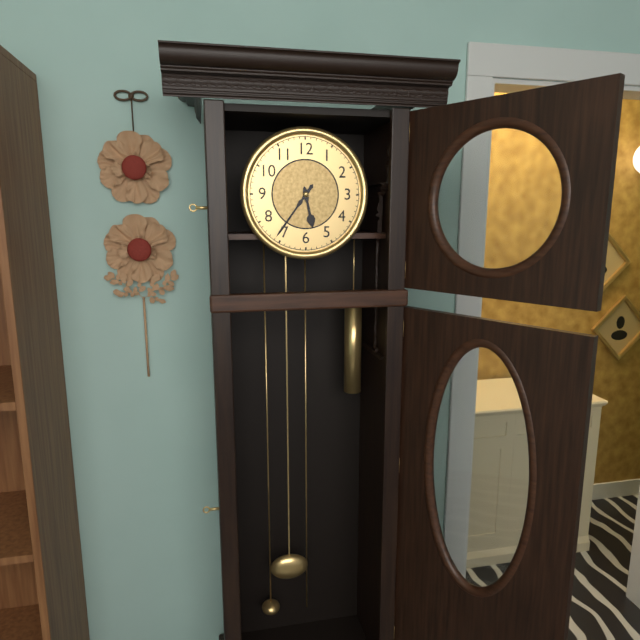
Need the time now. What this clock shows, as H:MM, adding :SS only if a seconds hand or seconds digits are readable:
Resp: 5:36
